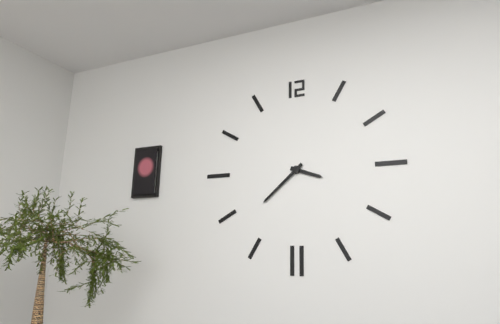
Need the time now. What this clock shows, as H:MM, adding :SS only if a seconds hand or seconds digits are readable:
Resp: 3:38
